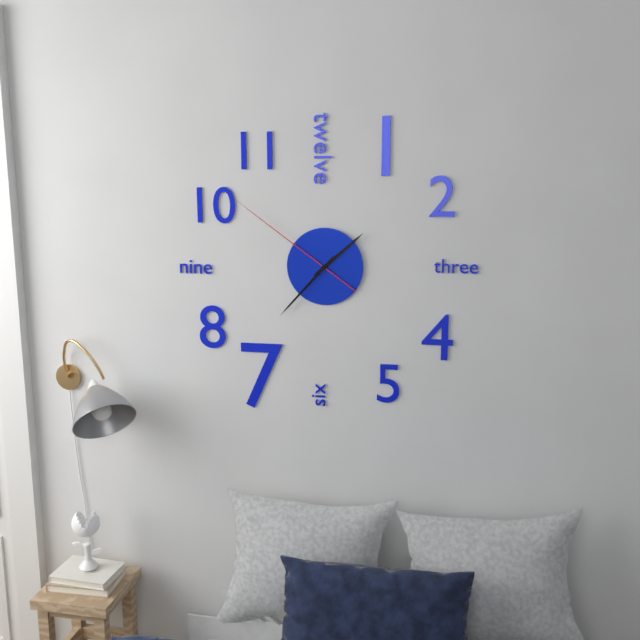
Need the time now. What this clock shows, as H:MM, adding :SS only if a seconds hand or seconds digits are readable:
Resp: 1:37:51
